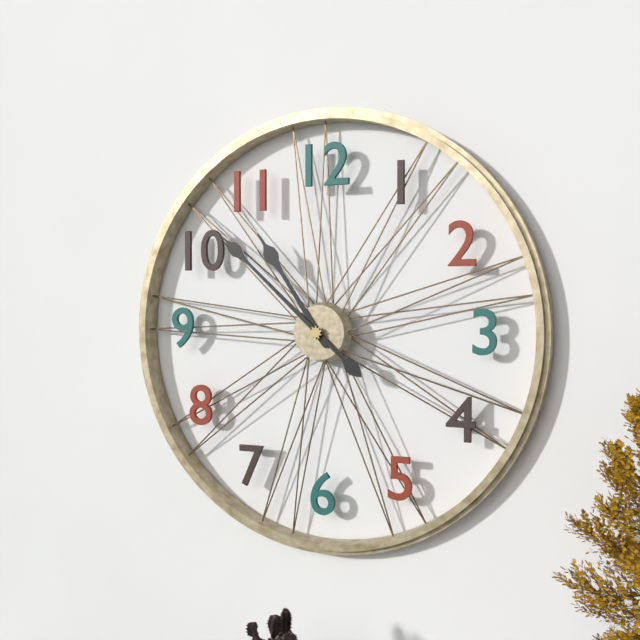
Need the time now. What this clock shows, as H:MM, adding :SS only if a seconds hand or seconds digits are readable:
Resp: 10:52
